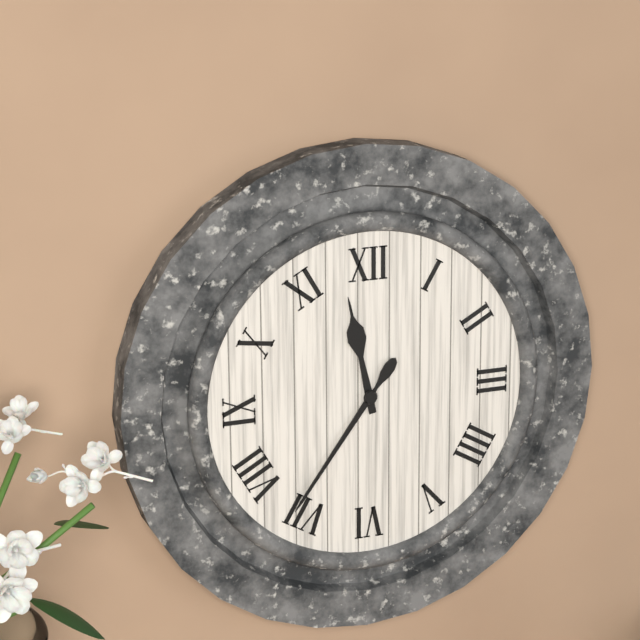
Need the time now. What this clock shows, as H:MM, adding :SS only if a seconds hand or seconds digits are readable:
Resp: 11:36
